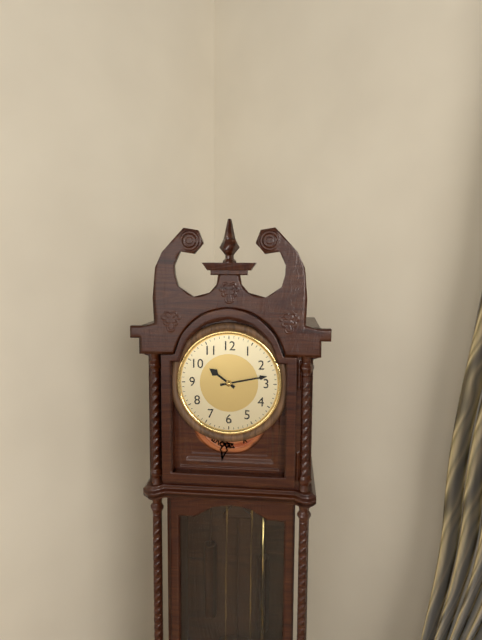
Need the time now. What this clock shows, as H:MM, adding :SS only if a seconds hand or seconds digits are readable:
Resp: 10:13
